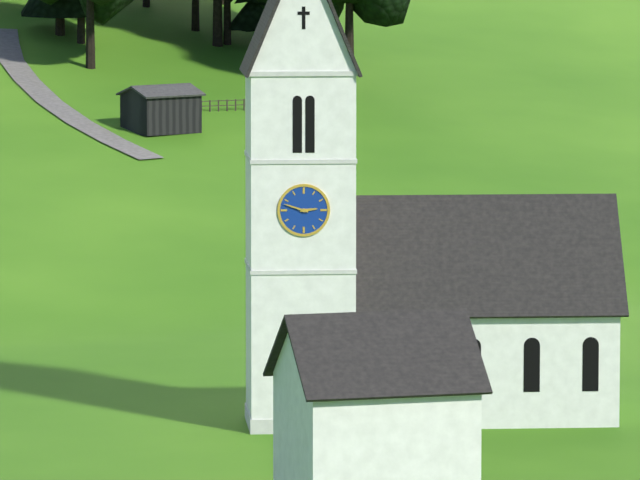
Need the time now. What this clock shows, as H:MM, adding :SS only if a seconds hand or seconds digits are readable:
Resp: 2:48
